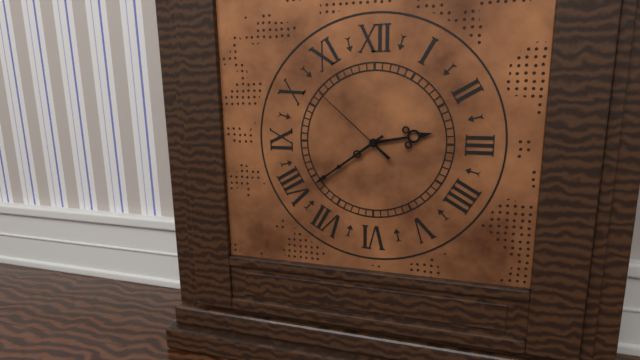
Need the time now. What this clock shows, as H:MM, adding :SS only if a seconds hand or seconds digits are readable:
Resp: 2:39:52
